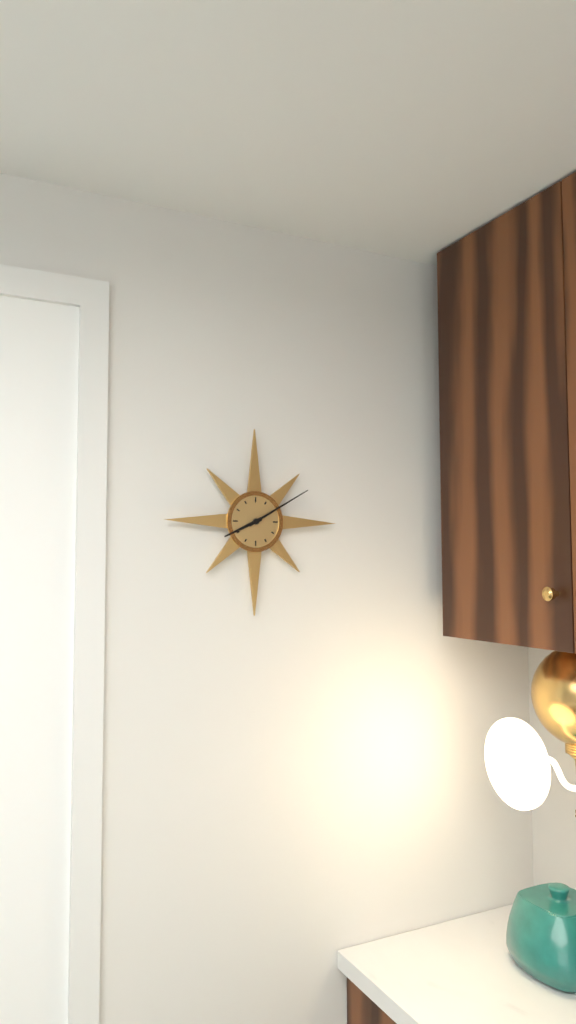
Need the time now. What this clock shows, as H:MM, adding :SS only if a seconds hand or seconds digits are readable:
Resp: 8:10
